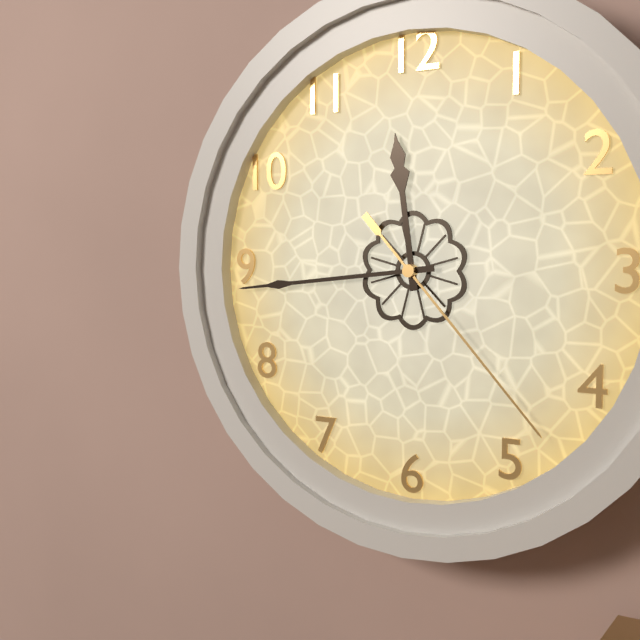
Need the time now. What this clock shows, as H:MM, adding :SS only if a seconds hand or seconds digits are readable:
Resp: 11:44:23
